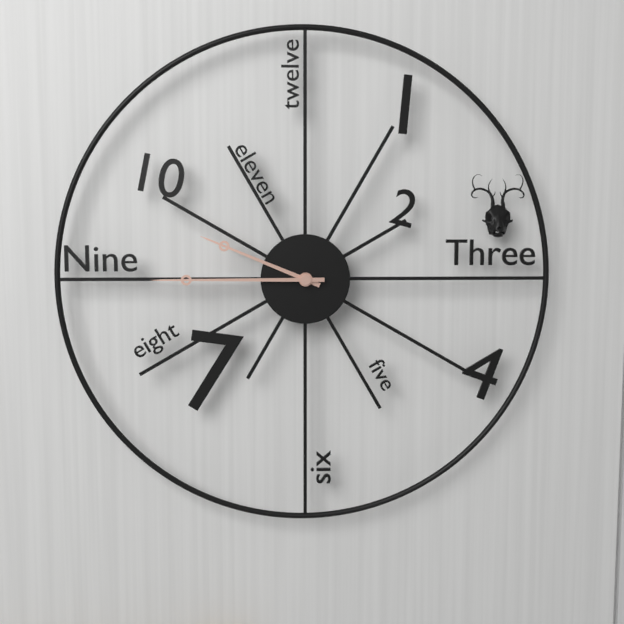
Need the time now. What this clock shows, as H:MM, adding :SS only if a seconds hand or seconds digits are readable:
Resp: 9:45
